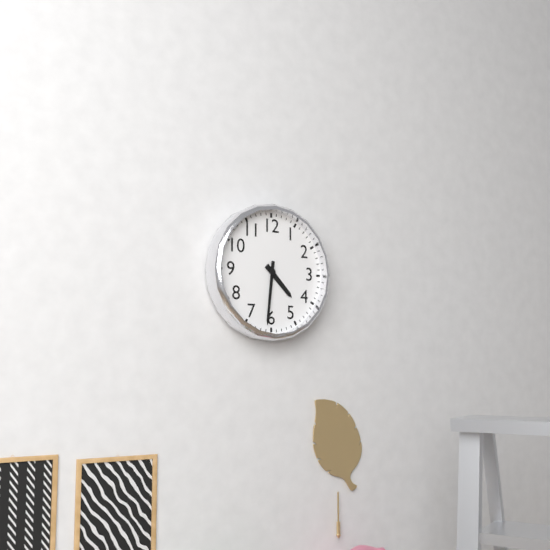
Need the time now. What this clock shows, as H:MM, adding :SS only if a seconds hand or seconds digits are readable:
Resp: 4:31
